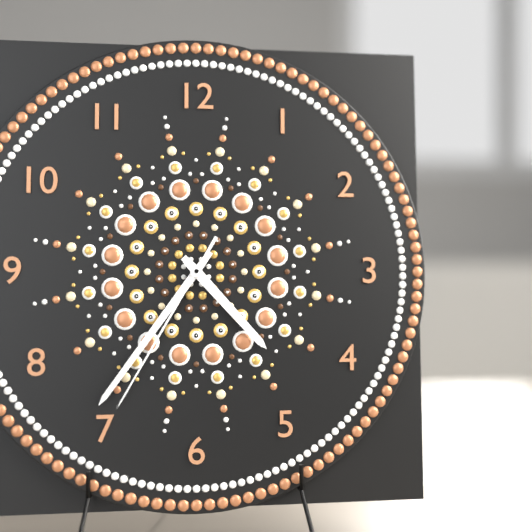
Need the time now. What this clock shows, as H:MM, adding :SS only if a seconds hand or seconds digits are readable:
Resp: 4:36:35
